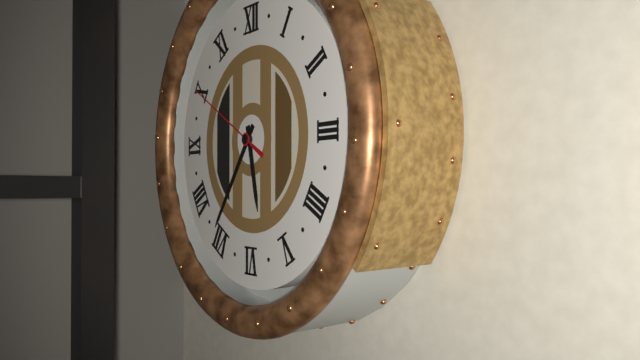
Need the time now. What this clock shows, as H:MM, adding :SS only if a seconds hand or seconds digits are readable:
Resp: 5:36:50
